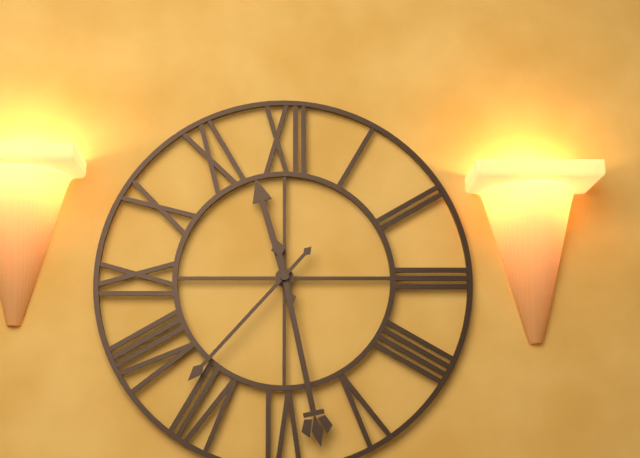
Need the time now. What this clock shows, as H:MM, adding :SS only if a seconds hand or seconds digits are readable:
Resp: 11:28:37
